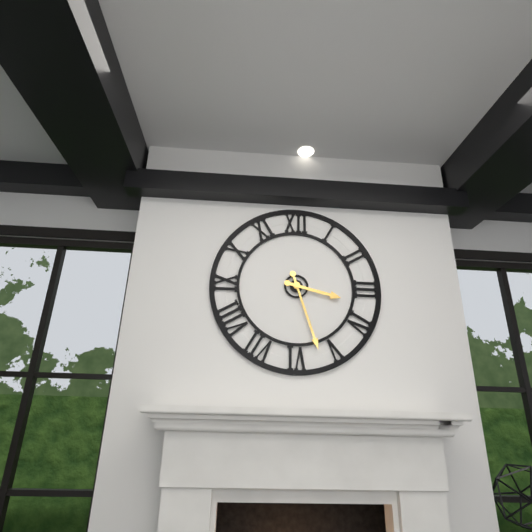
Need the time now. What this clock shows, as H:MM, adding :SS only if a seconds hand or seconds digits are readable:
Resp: 3:27
